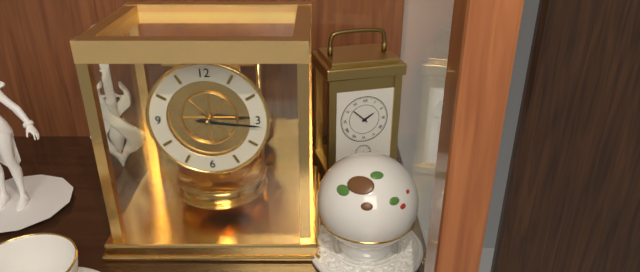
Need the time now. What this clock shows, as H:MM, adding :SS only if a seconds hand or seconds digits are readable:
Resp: 3:16
